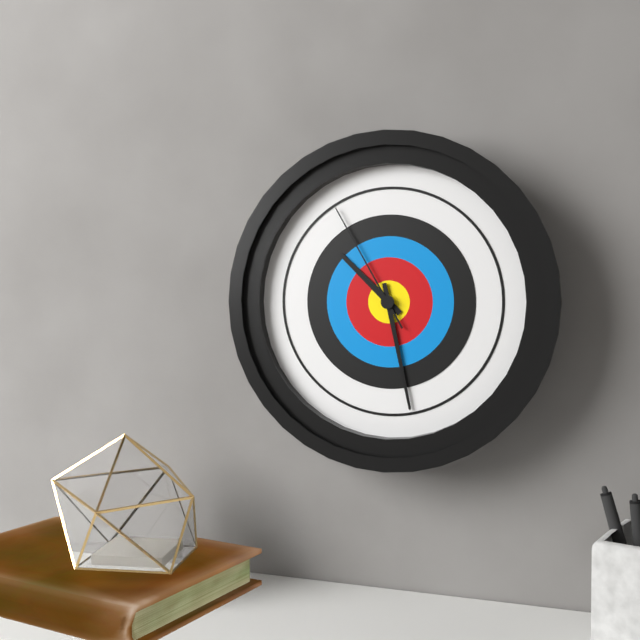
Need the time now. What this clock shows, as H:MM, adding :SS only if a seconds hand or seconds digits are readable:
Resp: 10:28:55
